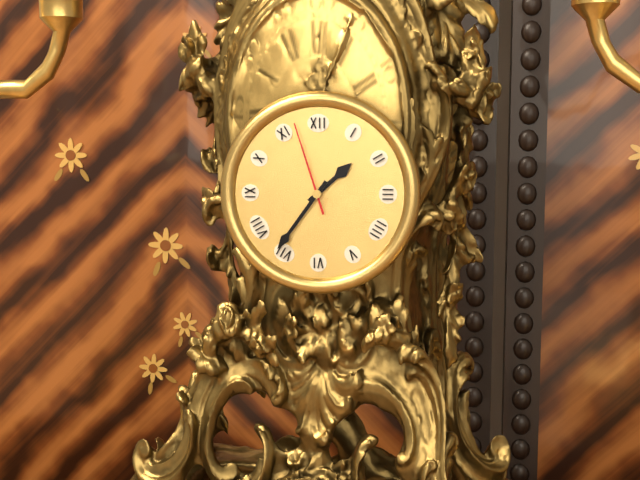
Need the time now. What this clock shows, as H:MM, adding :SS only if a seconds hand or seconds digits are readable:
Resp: 1:36:57
